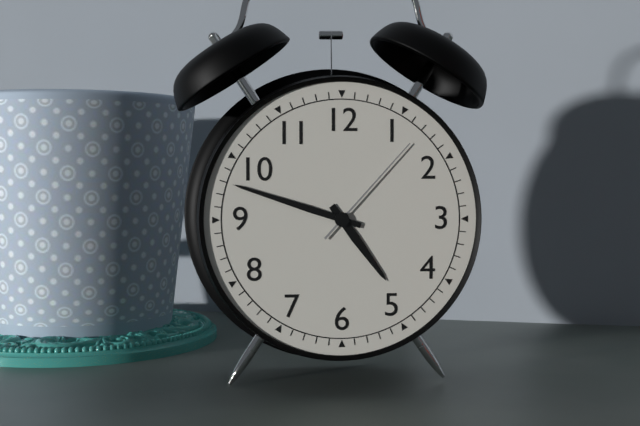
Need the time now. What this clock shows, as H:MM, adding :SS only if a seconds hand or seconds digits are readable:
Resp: 4:48:07
